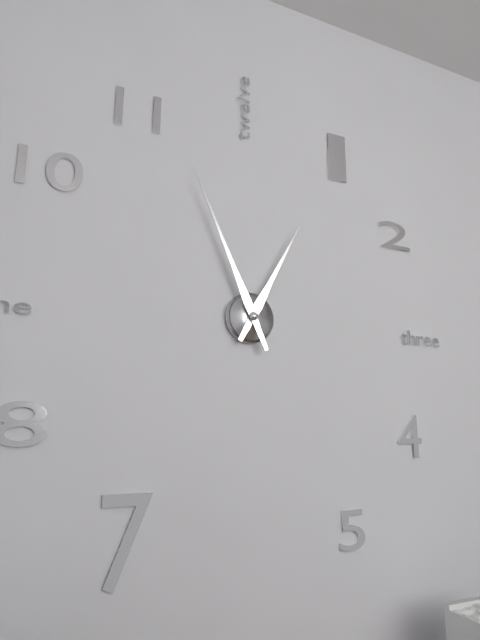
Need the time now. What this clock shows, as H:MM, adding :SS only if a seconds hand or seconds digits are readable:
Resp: 12:56
